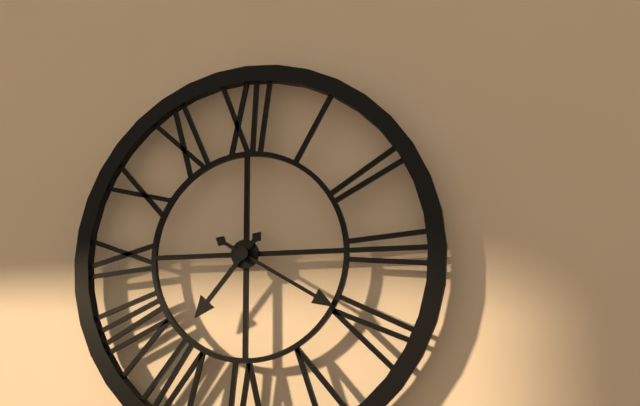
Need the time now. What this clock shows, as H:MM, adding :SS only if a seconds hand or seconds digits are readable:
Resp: 7:20
